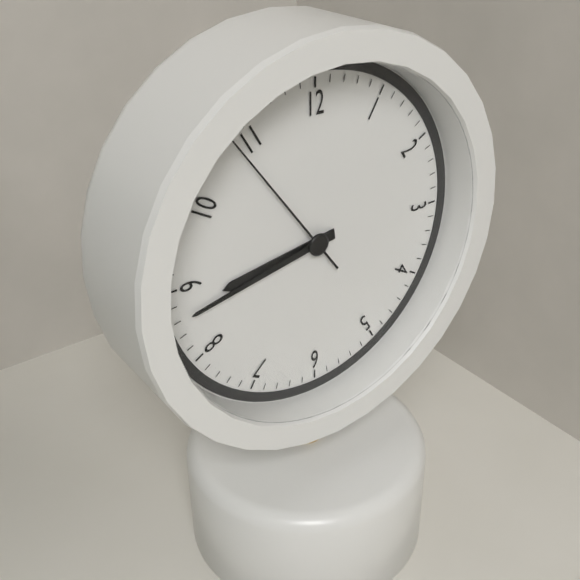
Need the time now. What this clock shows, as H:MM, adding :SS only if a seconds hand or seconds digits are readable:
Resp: 8:43:54
